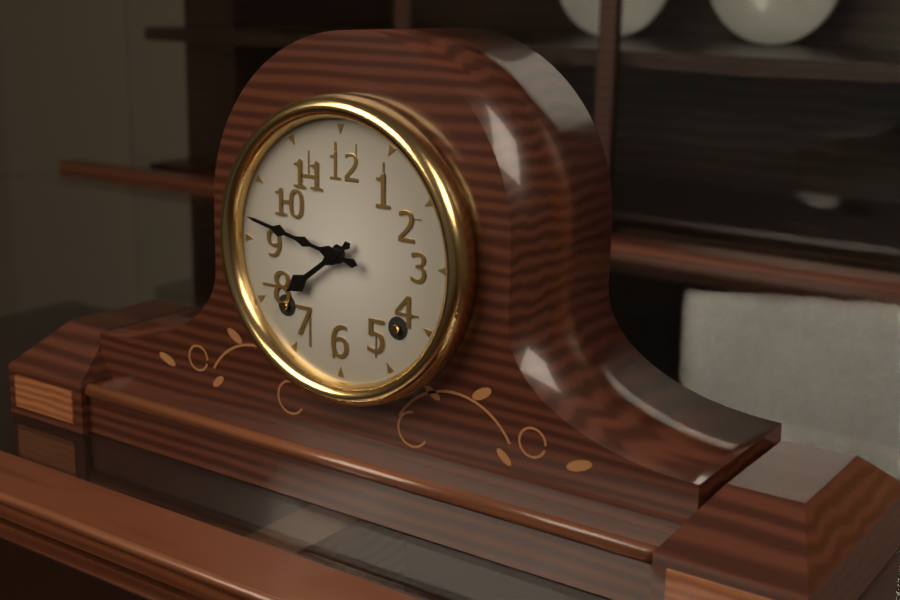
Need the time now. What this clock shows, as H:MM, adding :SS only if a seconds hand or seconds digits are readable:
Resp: 7:47
